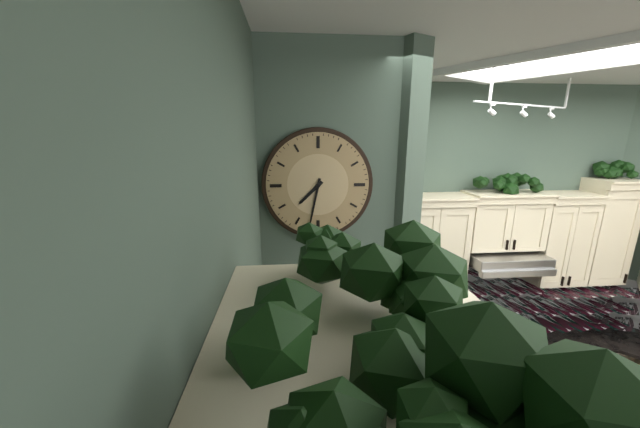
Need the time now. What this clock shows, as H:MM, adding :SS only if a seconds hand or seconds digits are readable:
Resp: 7:32
